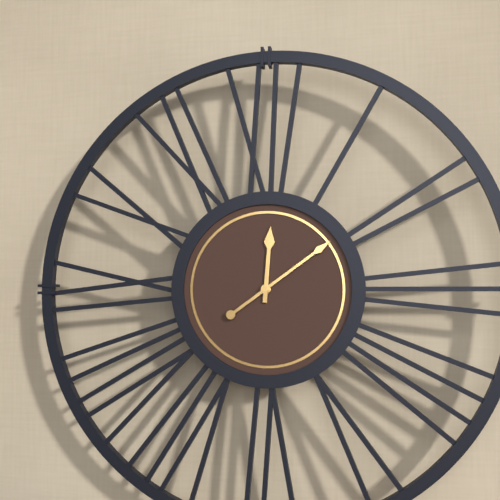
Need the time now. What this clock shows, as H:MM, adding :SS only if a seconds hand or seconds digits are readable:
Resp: 12:09
